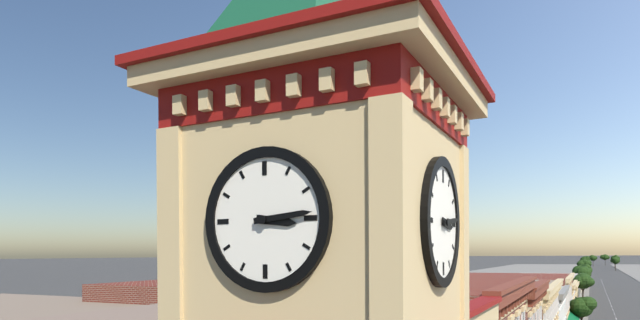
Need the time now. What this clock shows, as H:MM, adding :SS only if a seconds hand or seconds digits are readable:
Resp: 3:14
